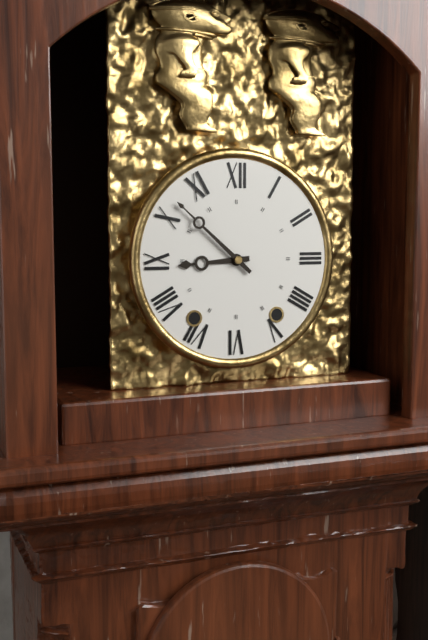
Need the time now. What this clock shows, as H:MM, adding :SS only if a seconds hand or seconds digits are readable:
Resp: 8:52
